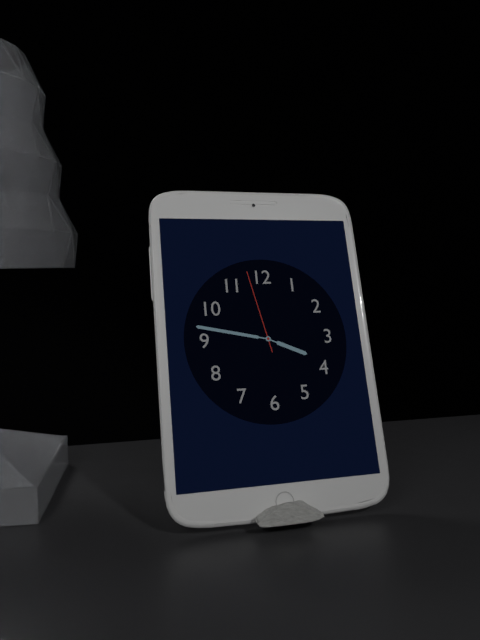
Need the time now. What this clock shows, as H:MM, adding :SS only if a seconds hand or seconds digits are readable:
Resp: 3:47:58
